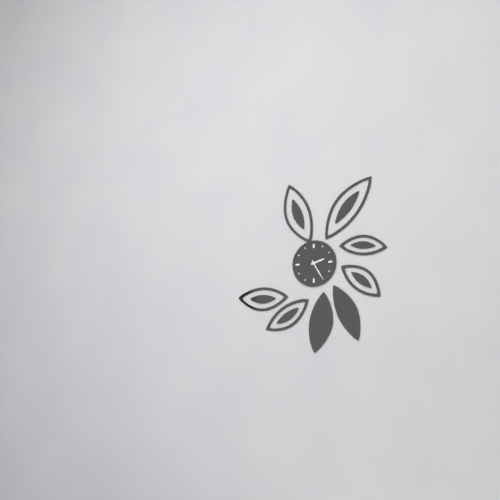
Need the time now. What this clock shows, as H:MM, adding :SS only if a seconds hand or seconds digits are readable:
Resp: 2:25
